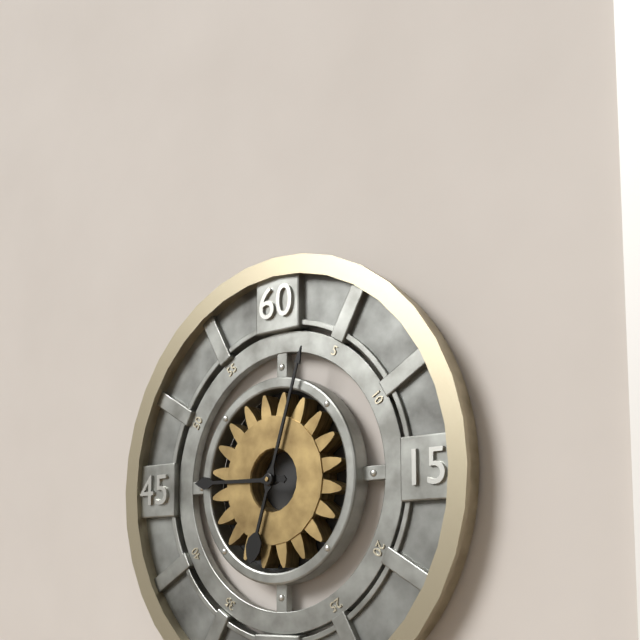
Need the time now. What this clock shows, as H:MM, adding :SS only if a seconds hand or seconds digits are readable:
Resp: 9:03
